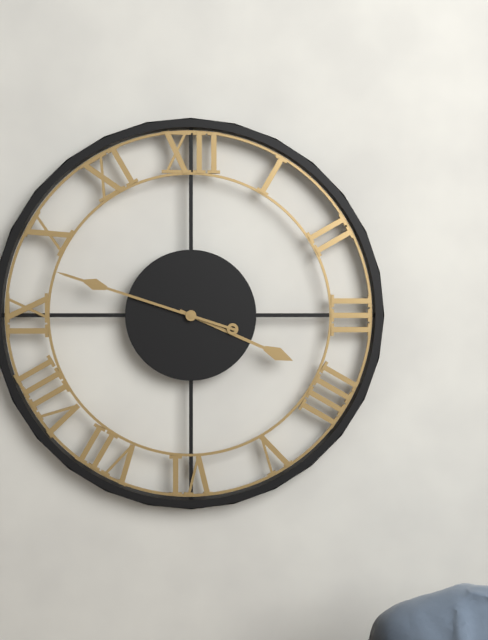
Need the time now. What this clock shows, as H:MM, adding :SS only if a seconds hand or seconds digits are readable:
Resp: 3:48
